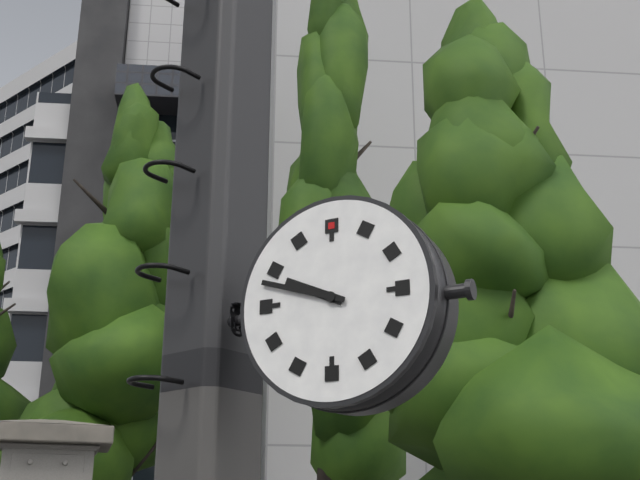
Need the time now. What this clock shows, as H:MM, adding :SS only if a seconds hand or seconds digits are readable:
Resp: 9:48
